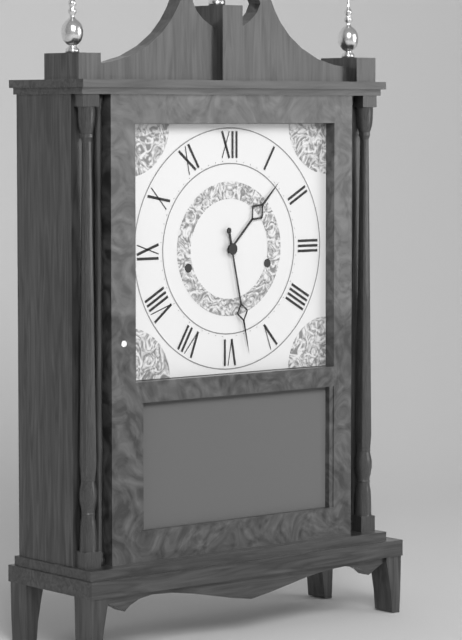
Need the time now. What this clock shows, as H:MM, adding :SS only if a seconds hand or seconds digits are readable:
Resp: 1:28
